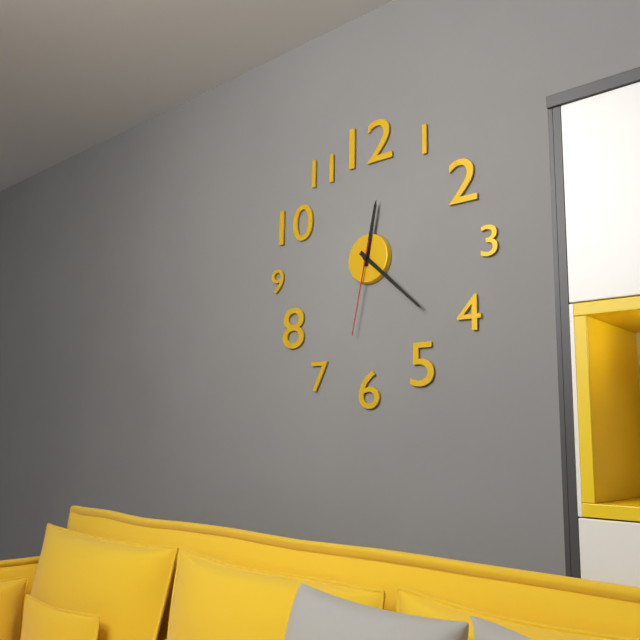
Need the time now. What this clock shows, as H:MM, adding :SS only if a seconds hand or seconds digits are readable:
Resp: 12:22:32
